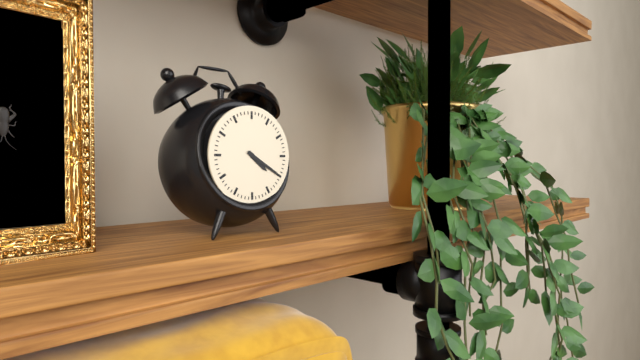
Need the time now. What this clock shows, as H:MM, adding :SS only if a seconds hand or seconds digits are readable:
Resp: 4:20
